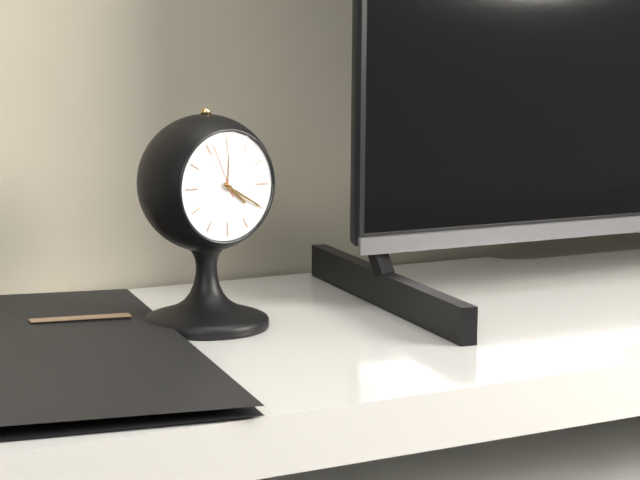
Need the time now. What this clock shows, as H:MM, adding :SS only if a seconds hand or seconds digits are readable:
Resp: 4:20:56
